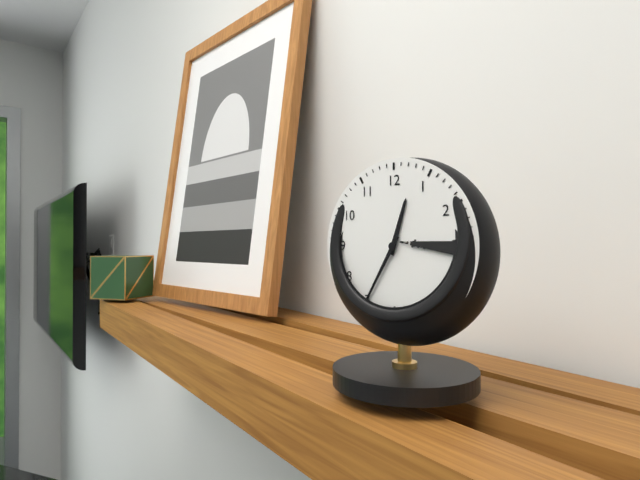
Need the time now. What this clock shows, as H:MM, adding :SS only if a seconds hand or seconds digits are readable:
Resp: 12:35
